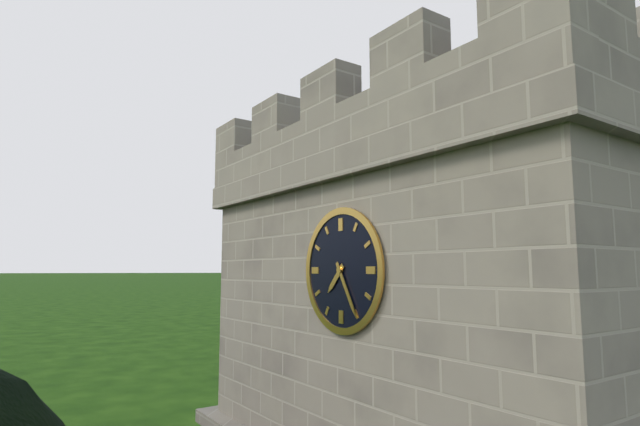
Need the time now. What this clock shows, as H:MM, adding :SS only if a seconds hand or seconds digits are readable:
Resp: 7:25
